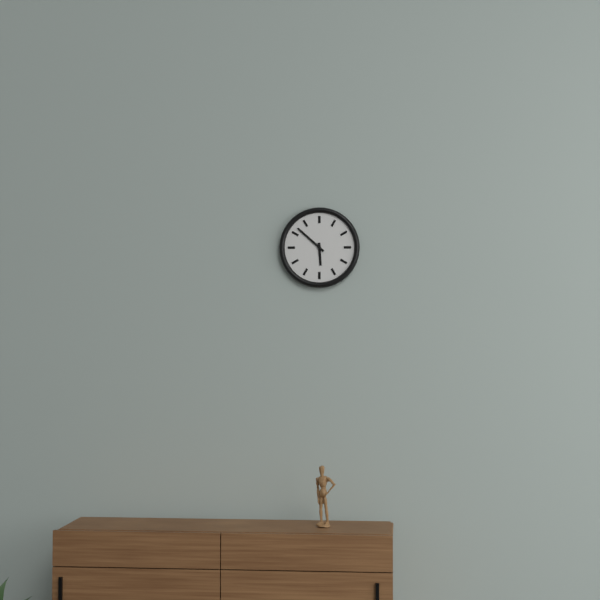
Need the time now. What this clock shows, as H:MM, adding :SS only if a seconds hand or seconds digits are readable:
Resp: 5:52
